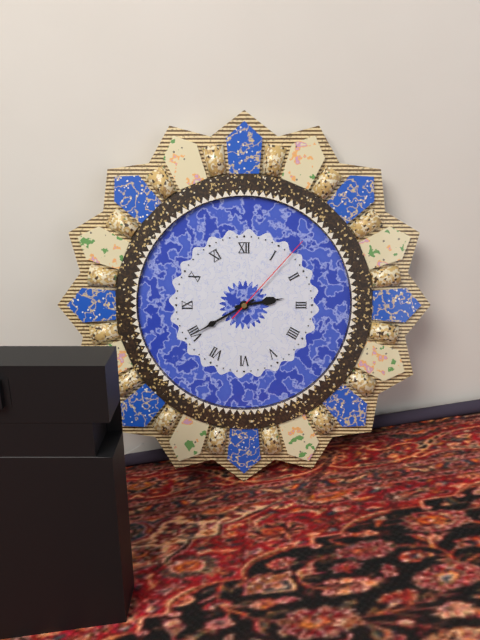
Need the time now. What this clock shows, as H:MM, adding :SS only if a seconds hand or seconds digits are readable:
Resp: 2:40:07
